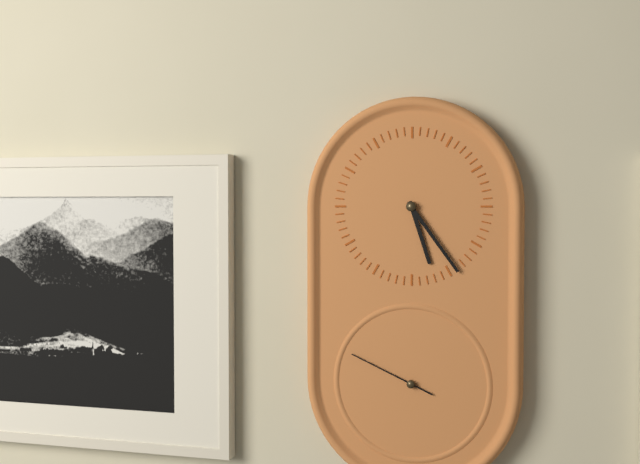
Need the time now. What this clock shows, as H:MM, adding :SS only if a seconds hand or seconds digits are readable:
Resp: 5:24:49
